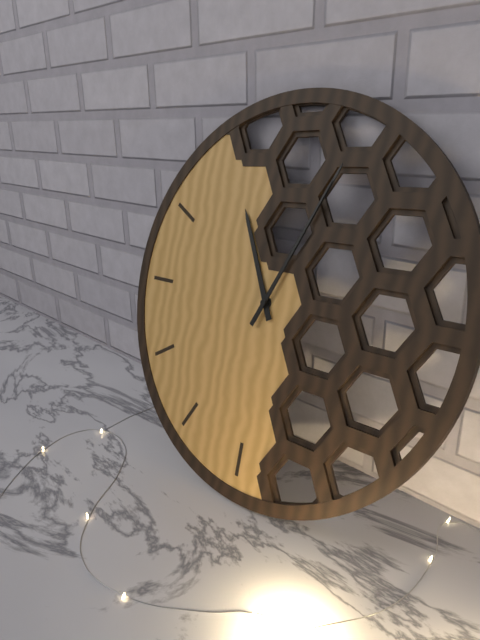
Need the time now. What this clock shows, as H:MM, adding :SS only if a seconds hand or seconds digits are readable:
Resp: 11:04:04
